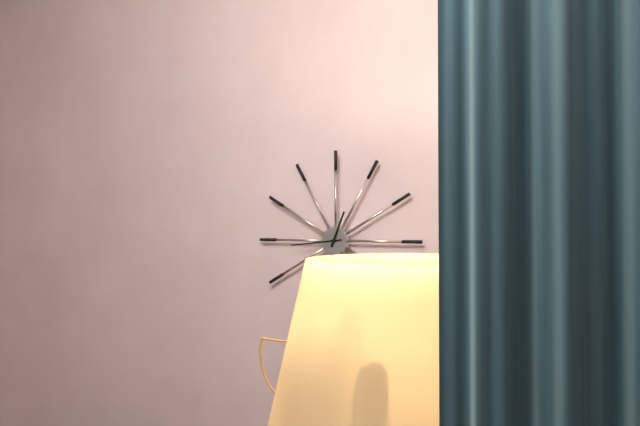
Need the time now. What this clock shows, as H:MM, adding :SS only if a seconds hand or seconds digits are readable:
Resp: 12:44
